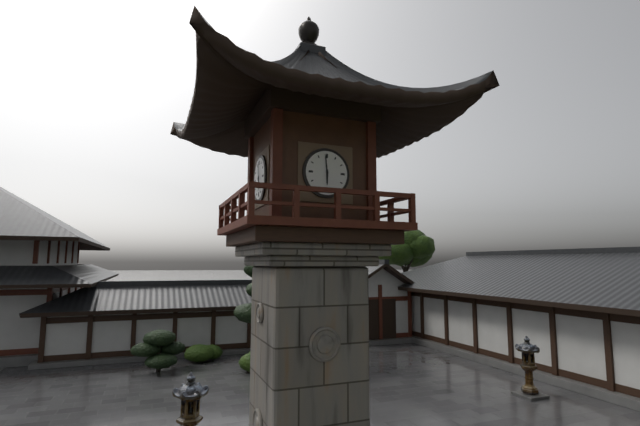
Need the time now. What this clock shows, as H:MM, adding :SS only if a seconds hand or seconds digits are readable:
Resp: 5:59
